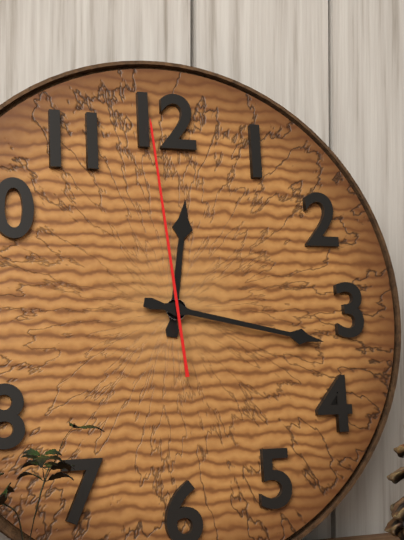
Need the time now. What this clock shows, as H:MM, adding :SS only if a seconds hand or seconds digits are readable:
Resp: 12:17:59
